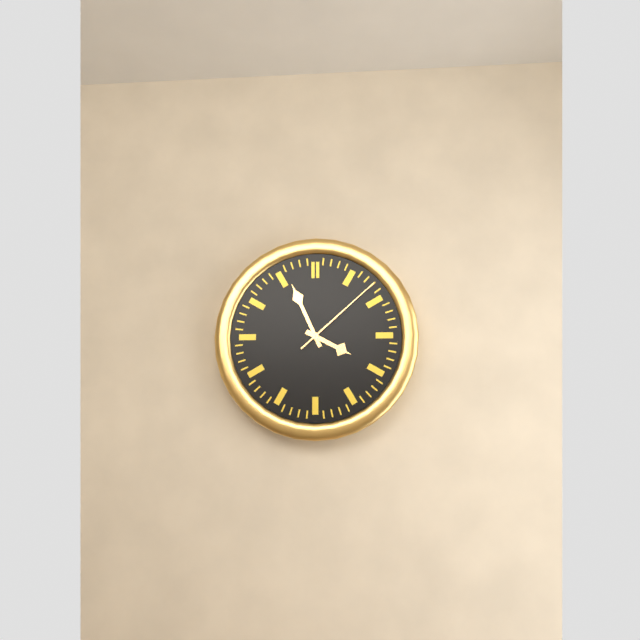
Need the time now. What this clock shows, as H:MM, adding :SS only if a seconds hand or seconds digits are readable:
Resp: 3:56:08
